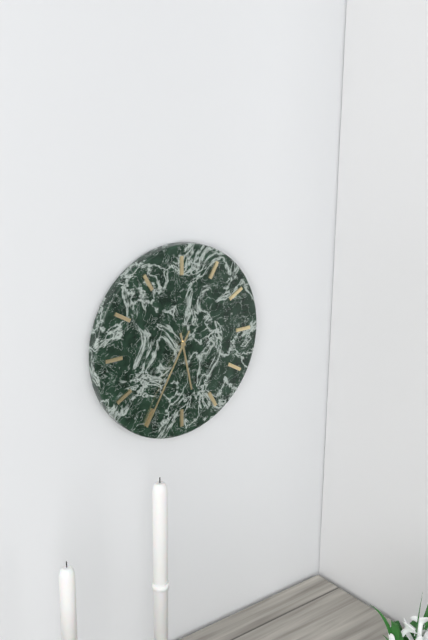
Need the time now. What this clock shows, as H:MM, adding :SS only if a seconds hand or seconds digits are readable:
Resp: 5:35
